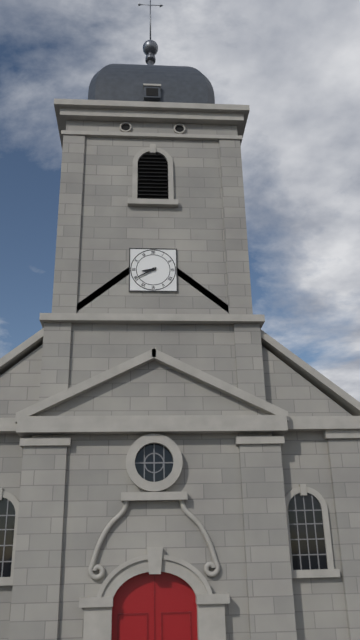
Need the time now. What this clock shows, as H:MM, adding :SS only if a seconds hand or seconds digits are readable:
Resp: 8:40
